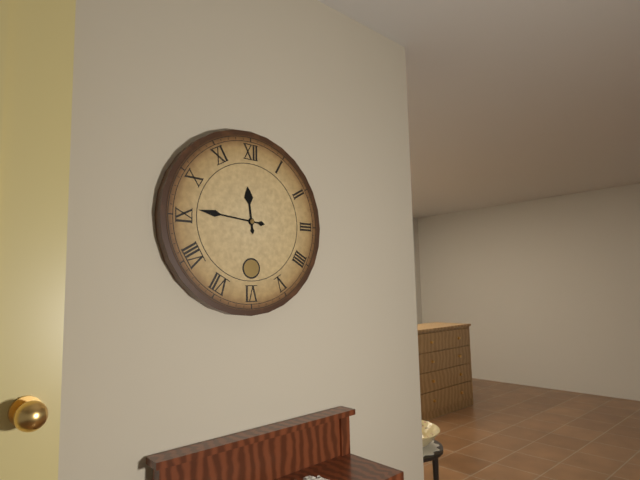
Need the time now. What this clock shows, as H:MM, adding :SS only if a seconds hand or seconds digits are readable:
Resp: 11:46
